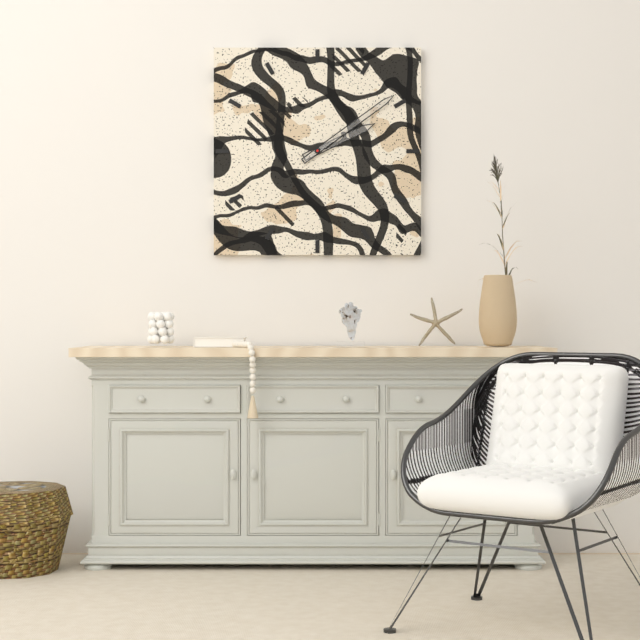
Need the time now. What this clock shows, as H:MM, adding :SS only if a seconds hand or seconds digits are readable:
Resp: 2:09
